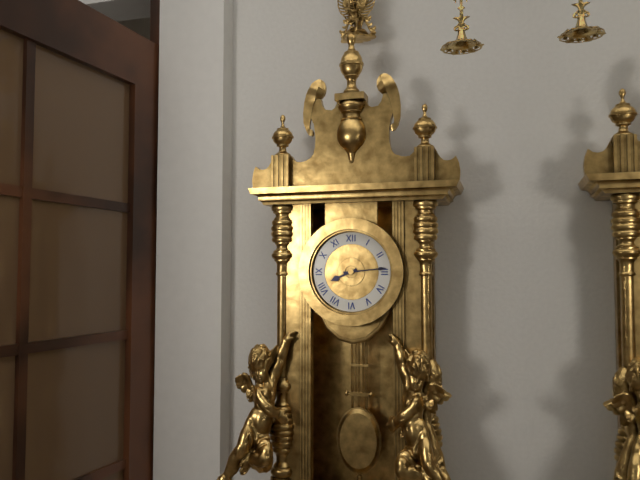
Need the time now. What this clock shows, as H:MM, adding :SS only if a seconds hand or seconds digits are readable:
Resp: 8:14
